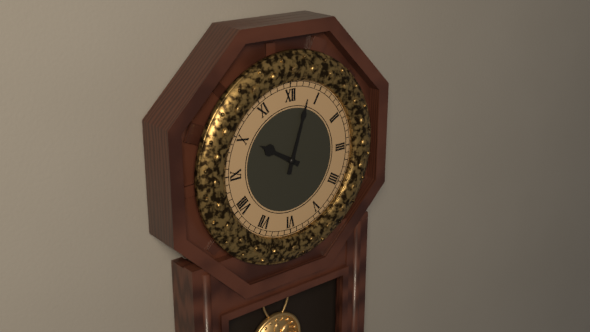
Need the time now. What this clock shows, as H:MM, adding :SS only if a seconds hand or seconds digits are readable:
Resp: 10:03
